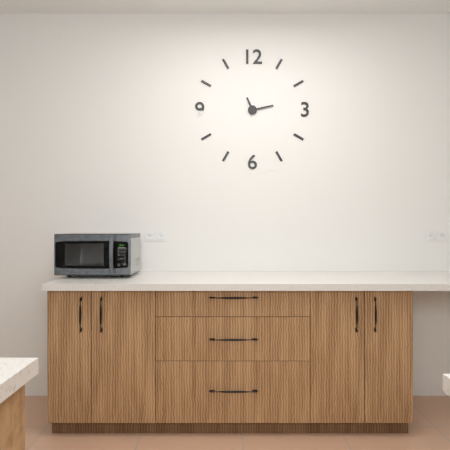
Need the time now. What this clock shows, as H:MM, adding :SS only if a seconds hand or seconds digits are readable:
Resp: 11:13
